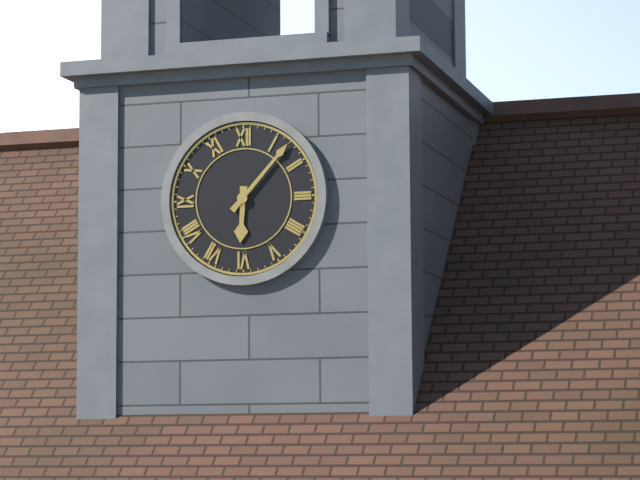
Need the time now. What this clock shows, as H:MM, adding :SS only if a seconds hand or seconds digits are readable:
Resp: 6:07
